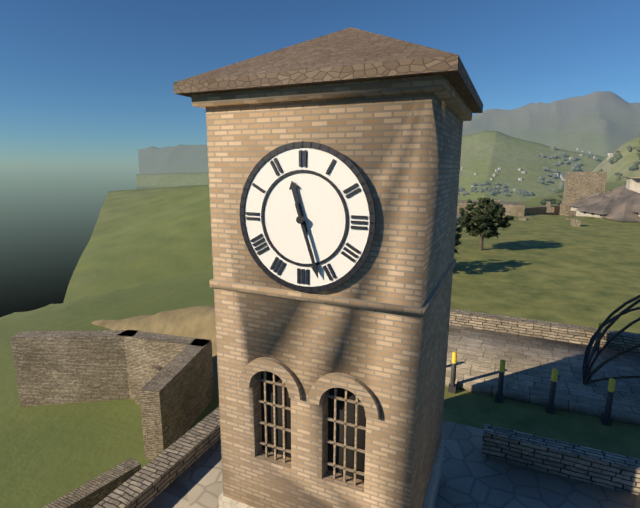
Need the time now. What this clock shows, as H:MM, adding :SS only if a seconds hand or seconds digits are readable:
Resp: 11:27
